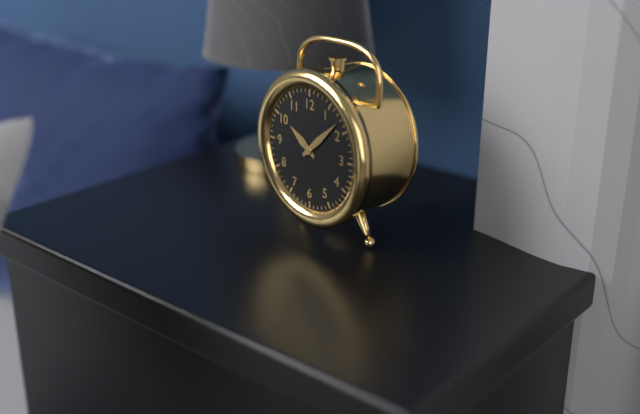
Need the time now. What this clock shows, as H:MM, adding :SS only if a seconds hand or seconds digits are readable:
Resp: 10:08
